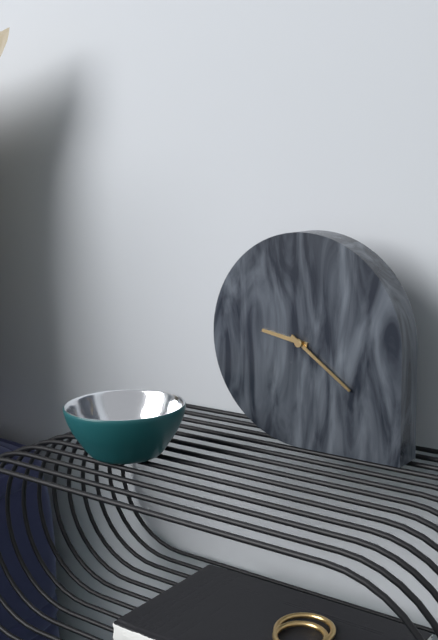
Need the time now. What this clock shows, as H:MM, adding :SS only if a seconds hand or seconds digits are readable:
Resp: 9:21
